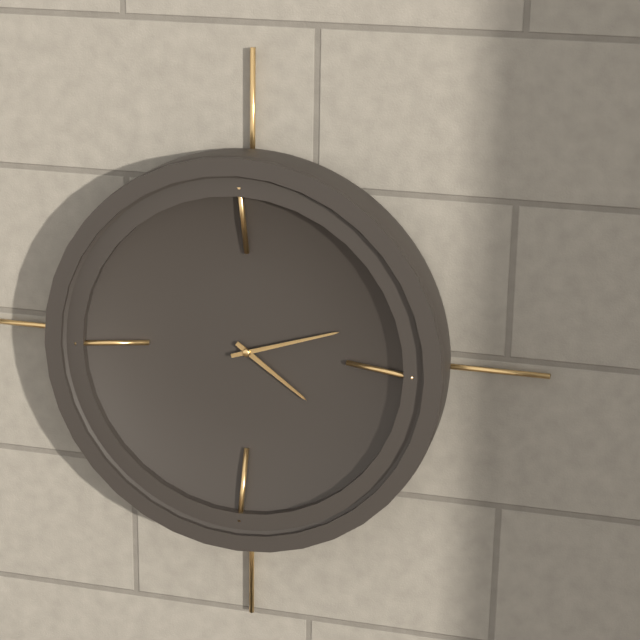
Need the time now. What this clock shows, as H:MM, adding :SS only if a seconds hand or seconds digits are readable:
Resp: 4:12
